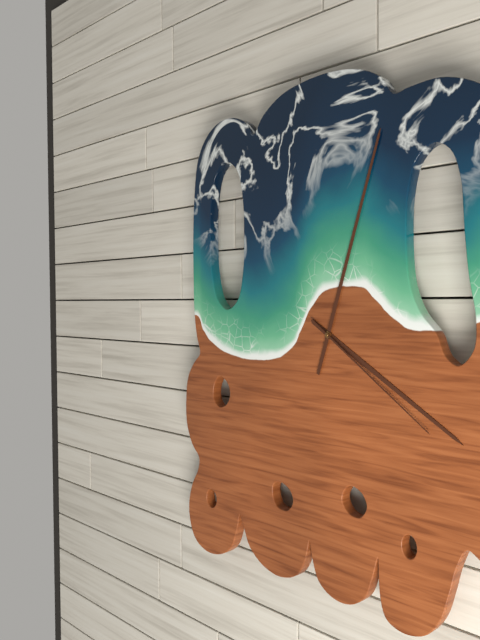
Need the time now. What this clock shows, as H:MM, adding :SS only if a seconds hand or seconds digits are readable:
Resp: 4:03:21
